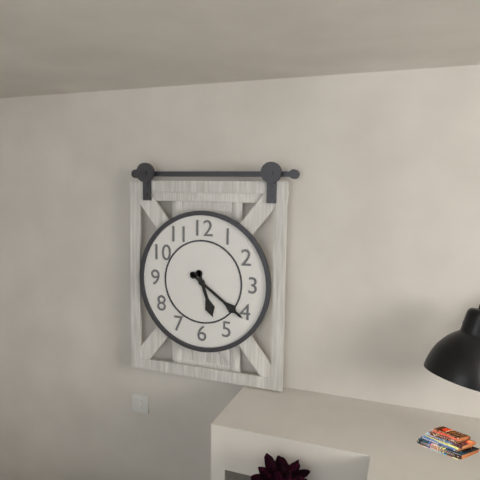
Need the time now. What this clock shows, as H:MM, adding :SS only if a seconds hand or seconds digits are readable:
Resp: 5:21
